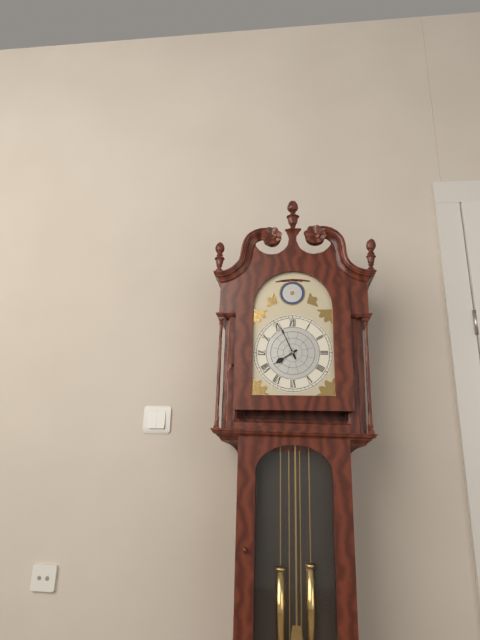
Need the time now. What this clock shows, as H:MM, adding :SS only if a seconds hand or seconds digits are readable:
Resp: 7:56
